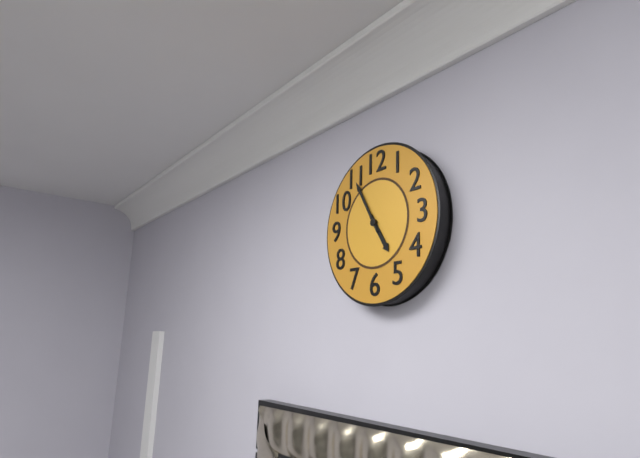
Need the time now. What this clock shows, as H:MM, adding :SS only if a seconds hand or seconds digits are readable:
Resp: 4:55
